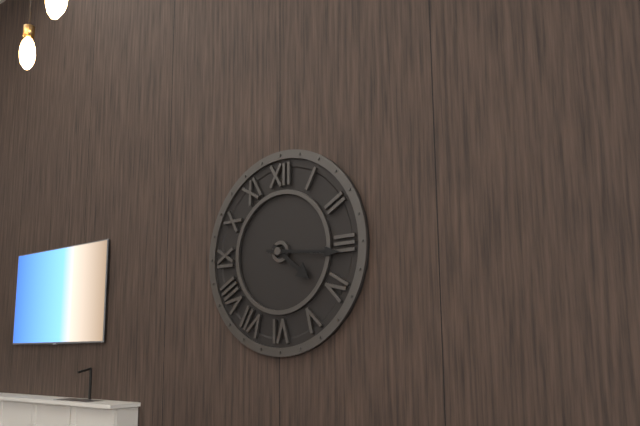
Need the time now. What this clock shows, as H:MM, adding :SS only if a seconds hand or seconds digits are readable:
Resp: 4:16
